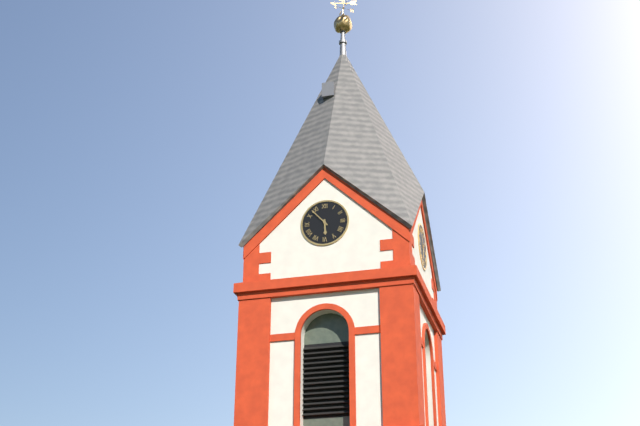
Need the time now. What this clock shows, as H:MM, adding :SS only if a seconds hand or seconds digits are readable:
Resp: 5:53
